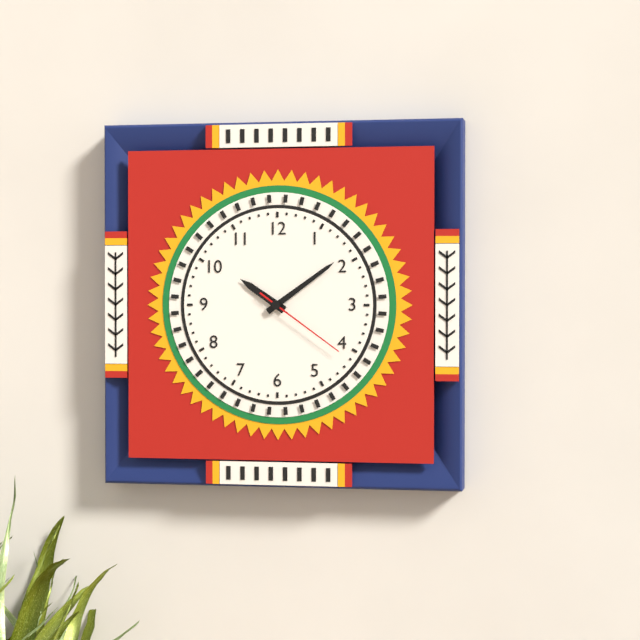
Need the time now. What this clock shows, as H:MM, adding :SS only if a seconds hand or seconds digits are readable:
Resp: 10:09:21
